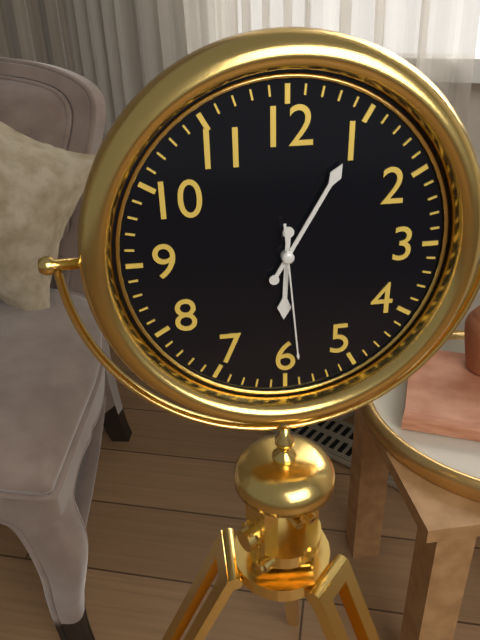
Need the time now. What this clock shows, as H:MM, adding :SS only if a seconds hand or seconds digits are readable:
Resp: 6:05:29
